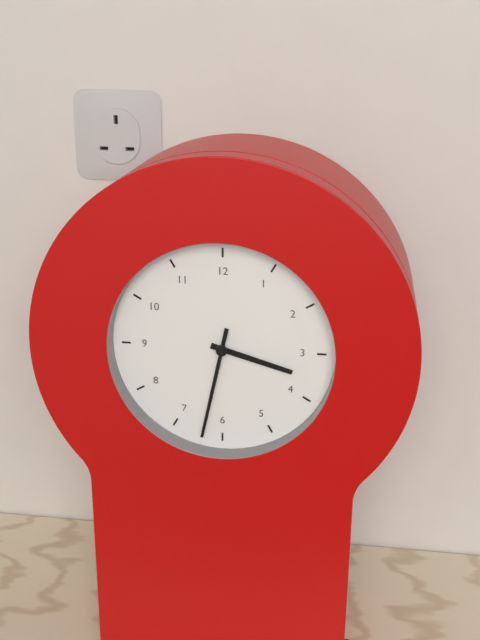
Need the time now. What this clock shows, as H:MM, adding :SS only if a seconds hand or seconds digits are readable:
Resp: 3:32
